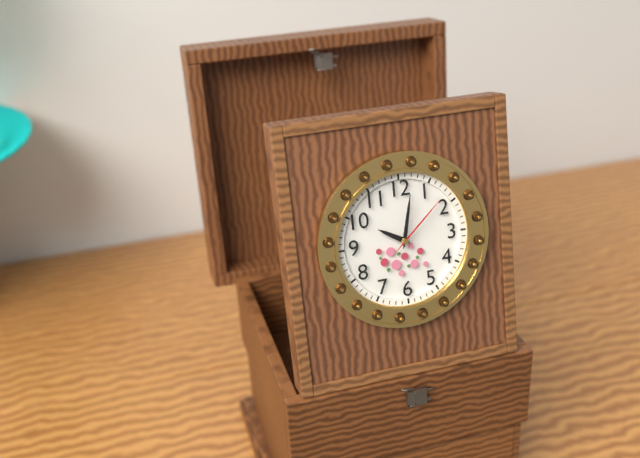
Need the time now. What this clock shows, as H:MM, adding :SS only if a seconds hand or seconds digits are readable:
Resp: 10:02:08
